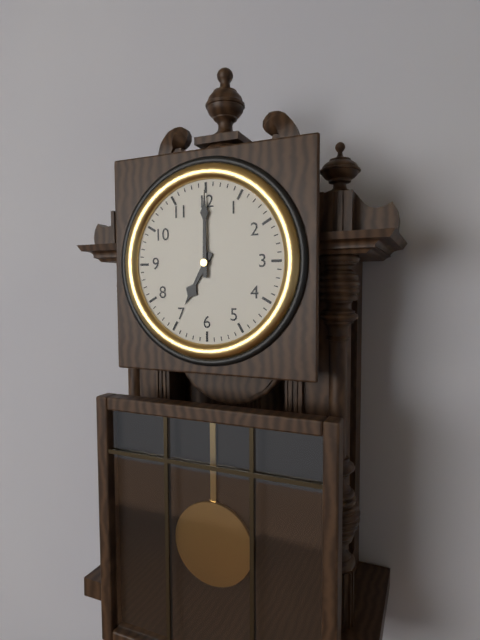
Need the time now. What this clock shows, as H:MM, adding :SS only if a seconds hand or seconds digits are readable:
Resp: 7:00
